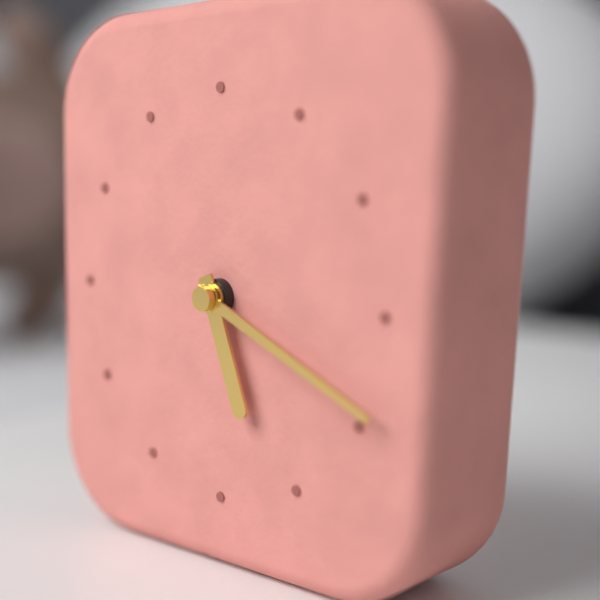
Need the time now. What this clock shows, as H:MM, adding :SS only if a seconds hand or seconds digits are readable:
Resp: 5:19
